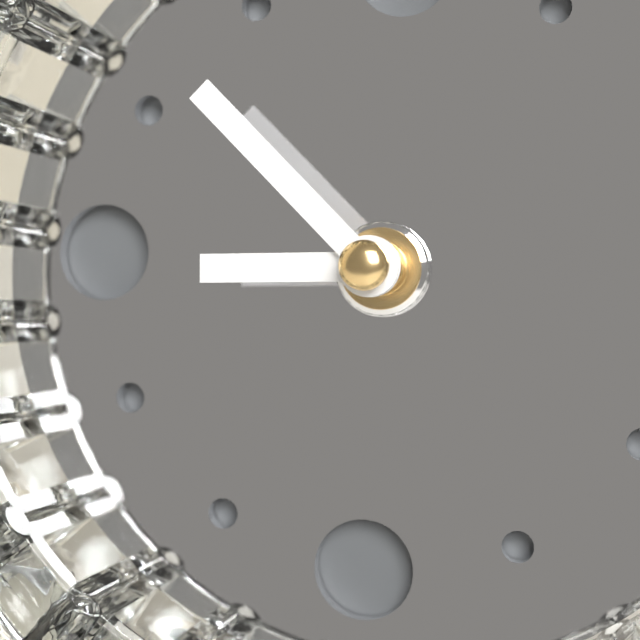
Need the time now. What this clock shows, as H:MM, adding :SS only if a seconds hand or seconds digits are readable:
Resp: 8:52
